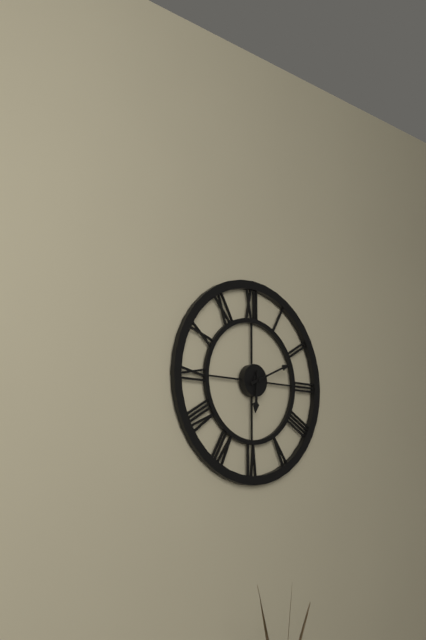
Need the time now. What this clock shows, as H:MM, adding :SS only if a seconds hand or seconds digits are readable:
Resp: 6:11
